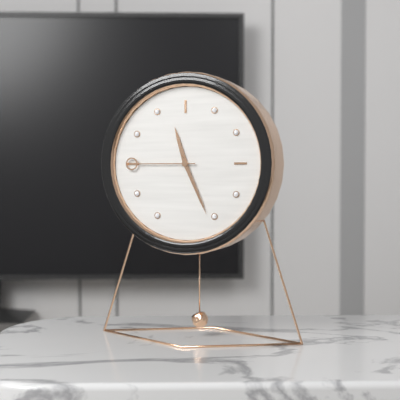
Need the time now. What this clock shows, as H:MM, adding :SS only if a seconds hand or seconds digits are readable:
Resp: 11:26:45
